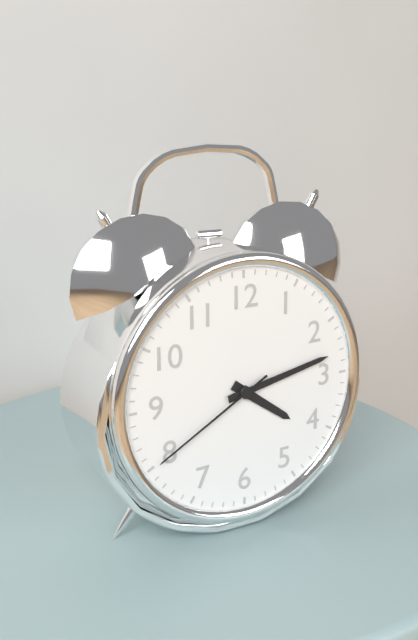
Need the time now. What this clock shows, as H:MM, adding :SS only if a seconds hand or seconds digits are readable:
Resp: 4:13:40
